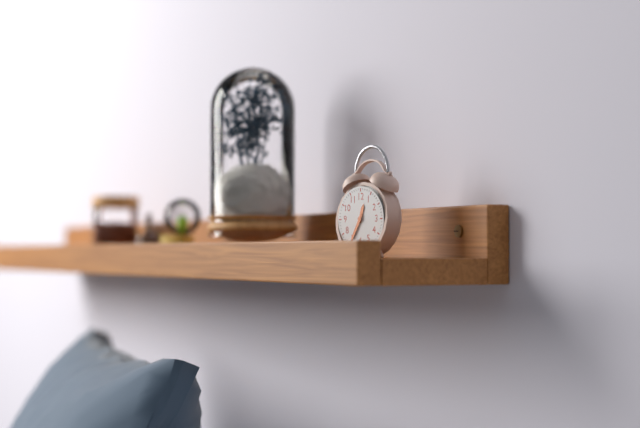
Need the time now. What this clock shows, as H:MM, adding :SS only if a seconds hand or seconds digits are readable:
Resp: 12:35
